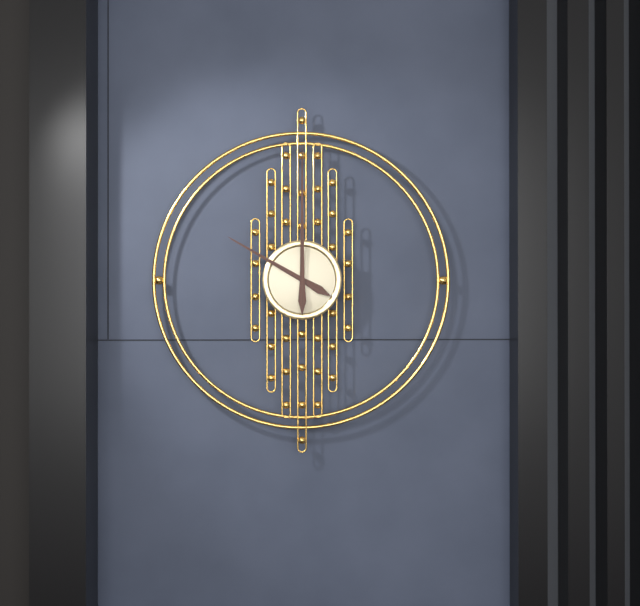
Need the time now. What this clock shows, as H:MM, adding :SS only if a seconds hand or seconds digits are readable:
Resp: 10:00
